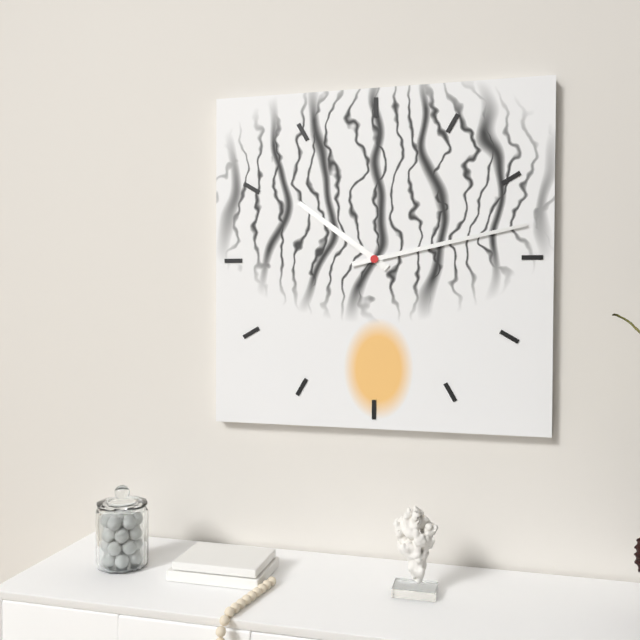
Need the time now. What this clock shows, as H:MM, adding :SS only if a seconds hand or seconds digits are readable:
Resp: 10:13
